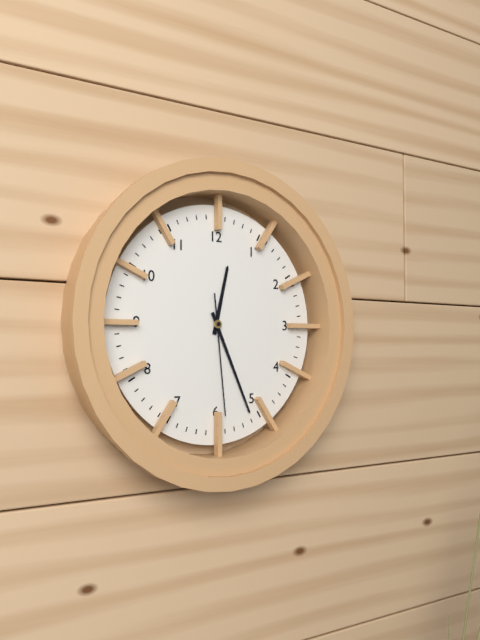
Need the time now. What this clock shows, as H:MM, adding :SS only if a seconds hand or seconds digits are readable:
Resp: 12:26:29
